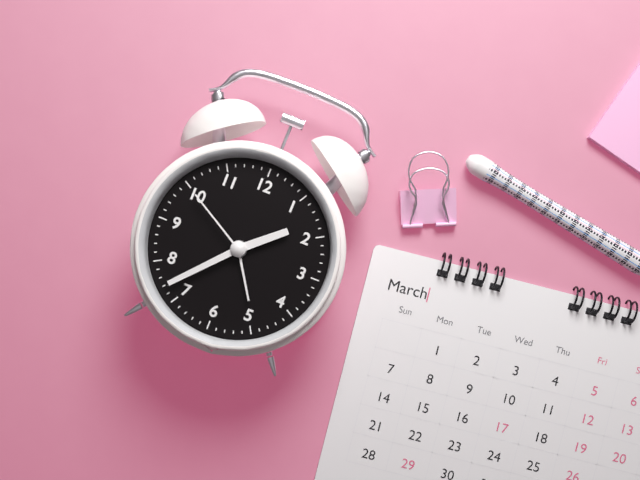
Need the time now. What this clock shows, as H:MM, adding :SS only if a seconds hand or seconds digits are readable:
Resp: 1:37:50
